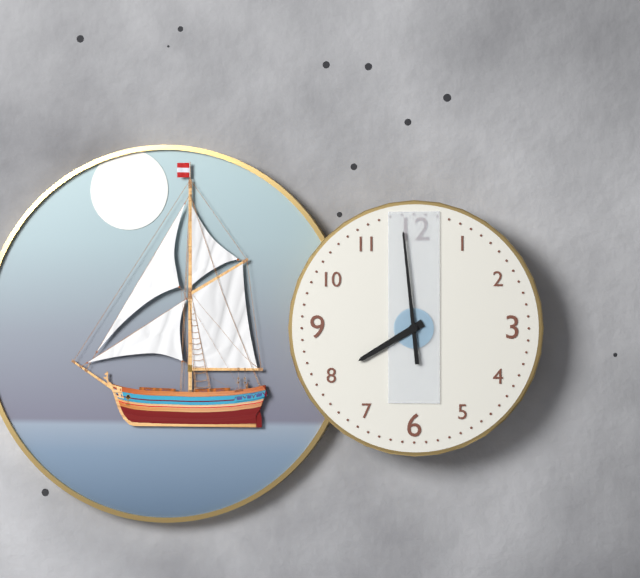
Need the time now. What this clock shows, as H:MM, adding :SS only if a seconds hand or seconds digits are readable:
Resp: 7:59
